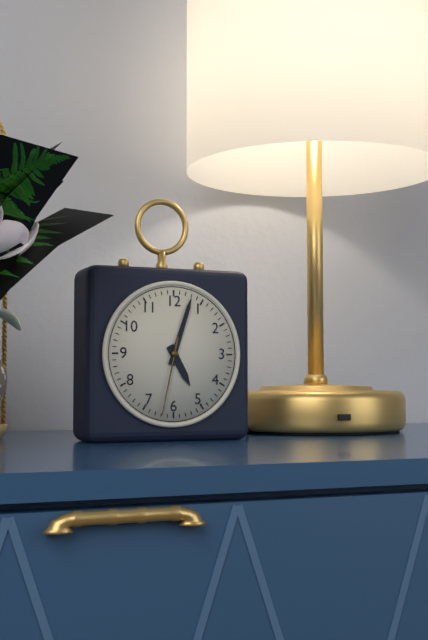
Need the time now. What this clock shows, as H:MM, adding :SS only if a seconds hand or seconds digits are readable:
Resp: 5:03:32
